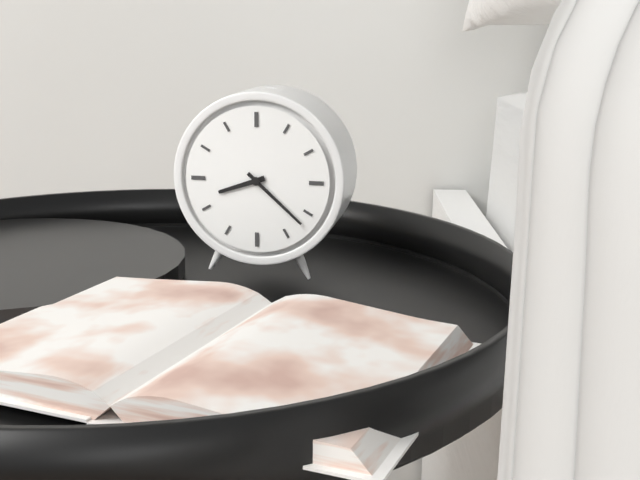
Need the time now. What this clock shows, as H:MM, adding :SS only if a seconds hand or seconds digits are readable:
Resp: 8:22
